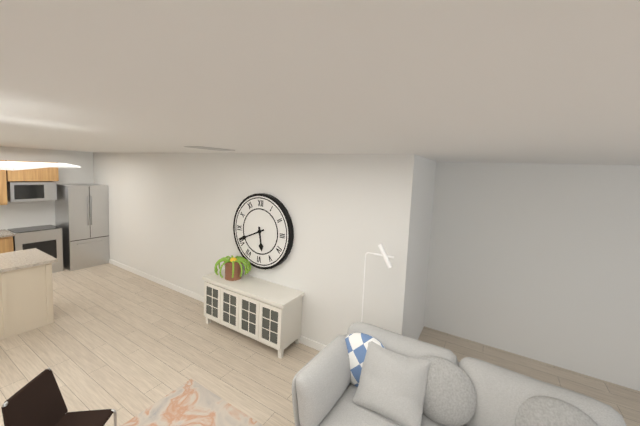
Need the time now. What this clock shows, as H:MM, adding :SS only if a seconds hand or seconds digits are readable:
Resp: 5:41
